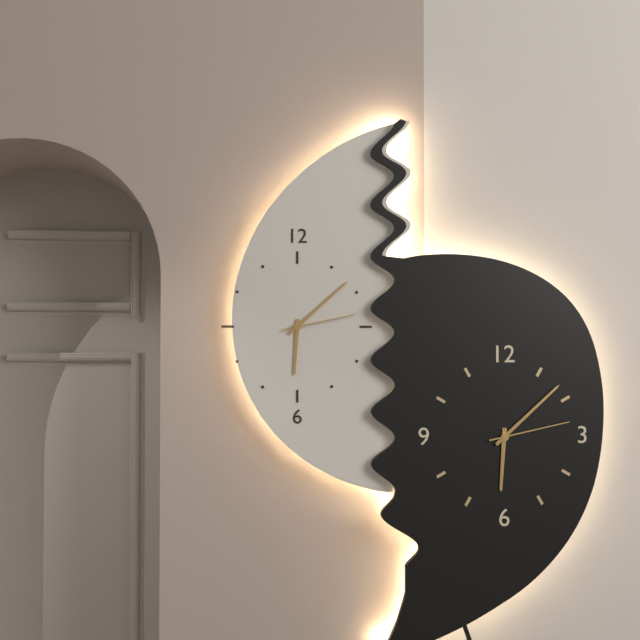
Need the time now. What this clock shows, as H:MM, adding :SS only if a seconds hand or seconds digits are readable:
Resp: 6:08:13
